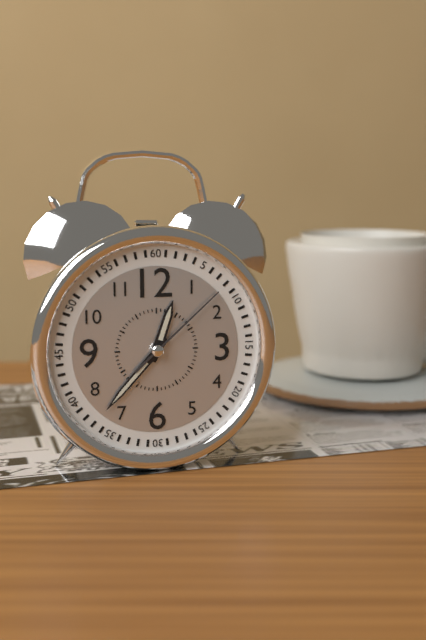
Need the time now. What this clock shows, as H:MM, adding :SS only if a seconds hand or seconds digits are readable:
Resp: 12:37:08
